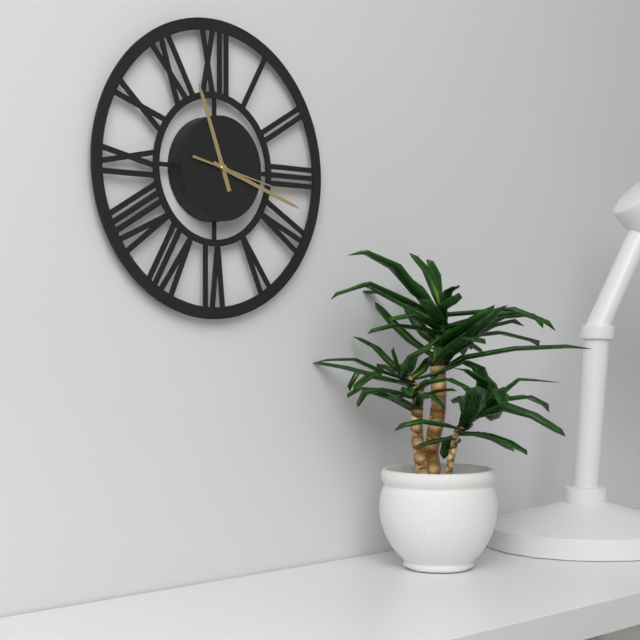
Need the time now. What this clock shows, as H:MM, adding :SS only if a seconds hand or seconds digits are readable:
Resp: 11:18:17
